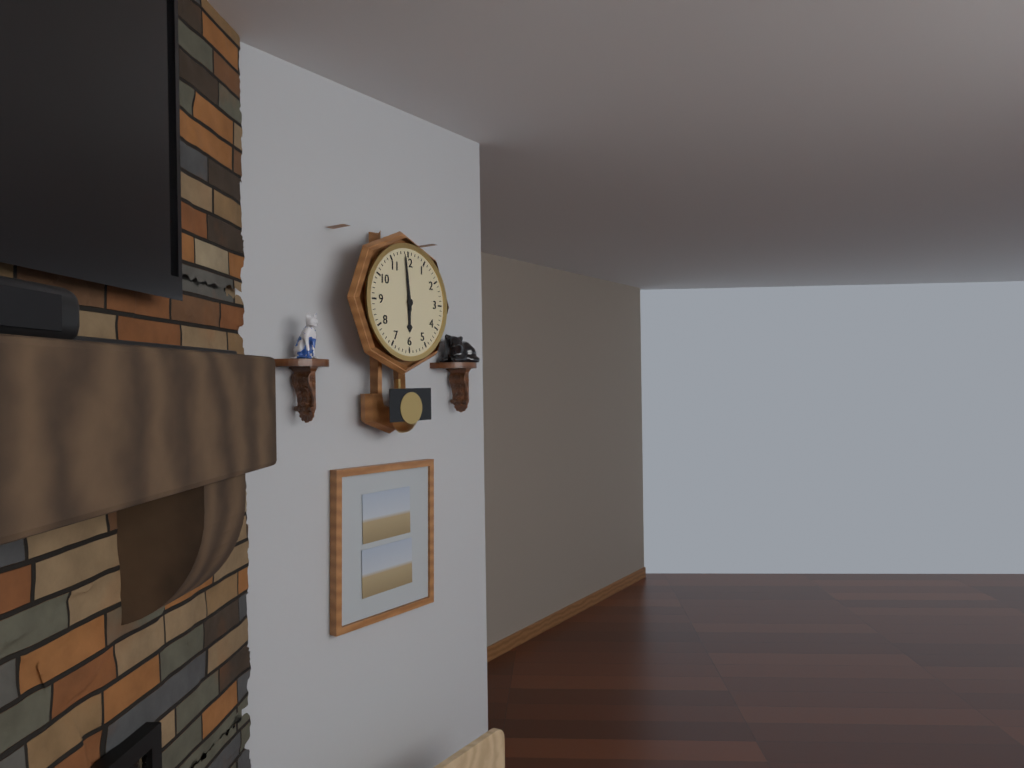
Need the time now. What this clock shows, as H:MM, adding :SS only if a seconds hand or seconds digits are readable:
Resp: 5:59
